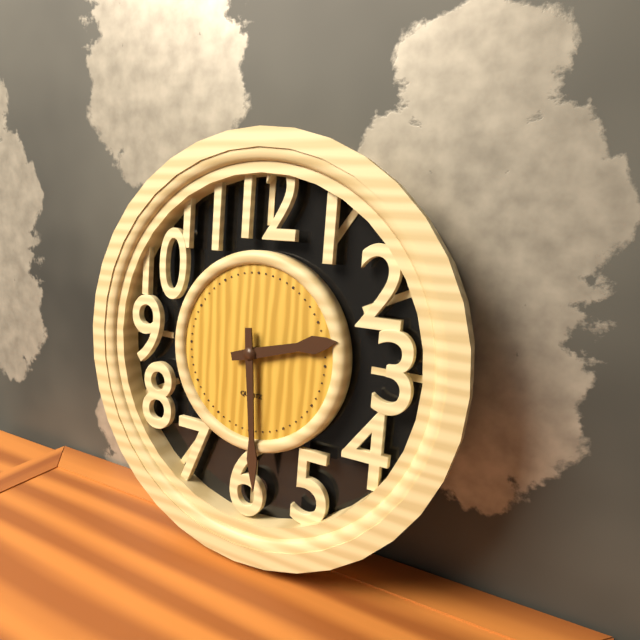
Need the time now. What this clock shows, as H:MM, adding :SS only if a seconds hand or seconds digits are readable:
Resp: 2:29
